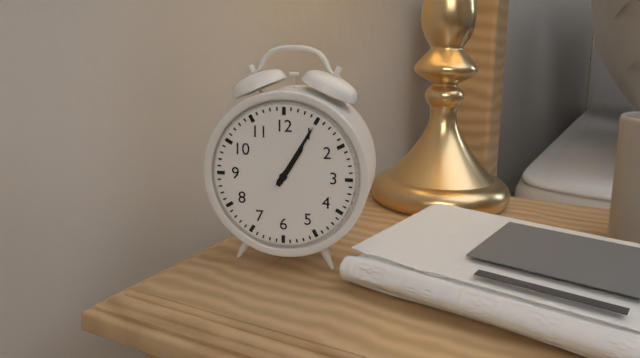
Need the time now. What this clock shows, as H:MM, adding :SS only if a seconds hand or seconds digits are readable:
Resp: 1:05
